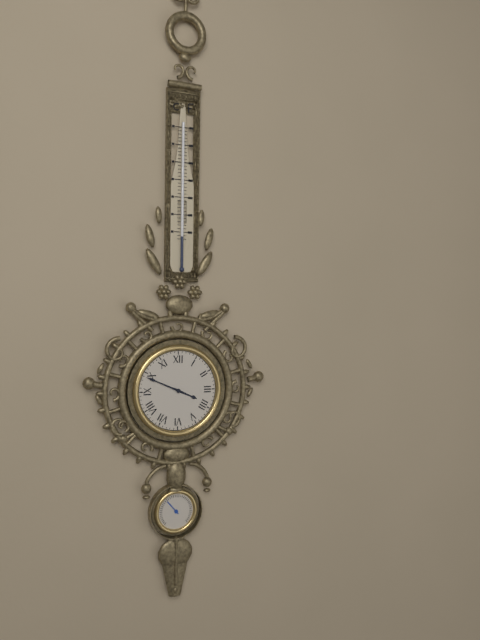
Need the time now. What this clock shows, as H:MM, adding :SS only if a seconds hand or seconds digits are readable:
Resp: 3:49
